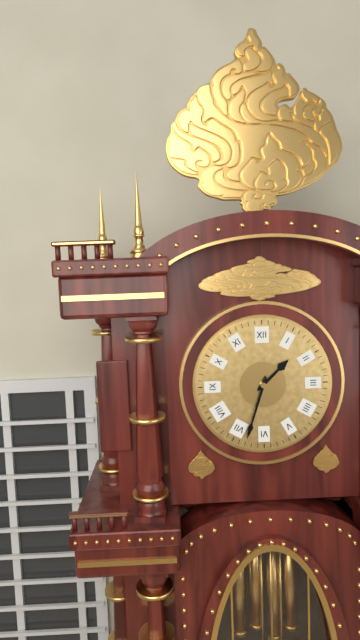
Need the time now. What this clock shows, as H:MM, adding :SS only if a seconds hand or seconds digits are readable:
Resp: 1:33
